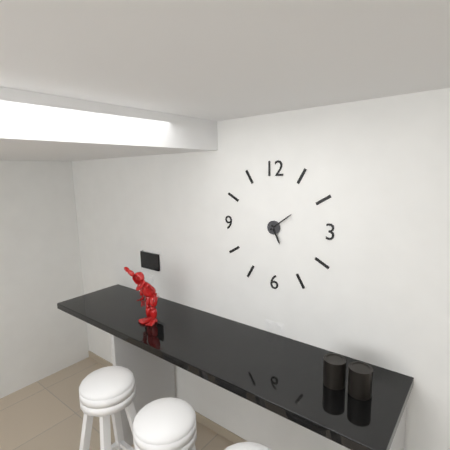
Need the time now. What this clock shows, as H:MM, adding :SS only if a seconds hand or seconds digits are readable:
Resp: 5:09
